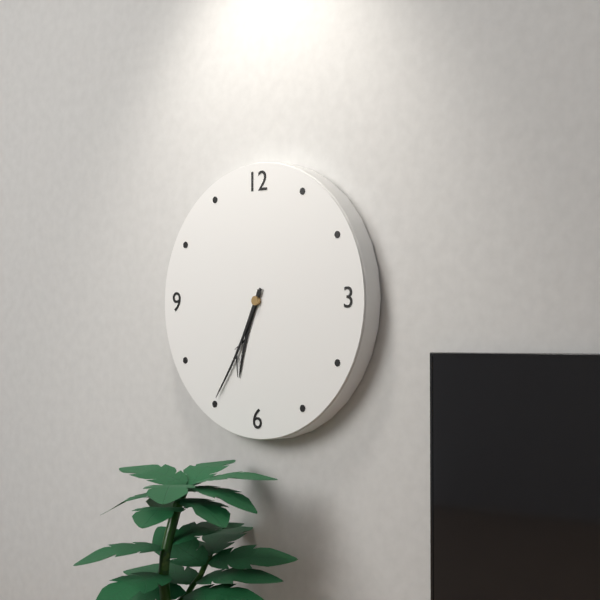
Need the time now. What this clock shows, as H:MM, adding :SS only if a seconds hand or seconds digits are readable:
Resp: 6:35
